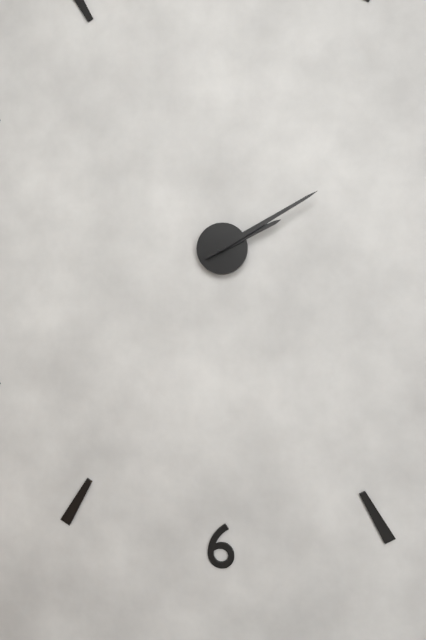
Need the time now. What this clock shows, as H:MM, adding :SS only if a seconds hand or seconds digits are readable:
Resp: 2:10
